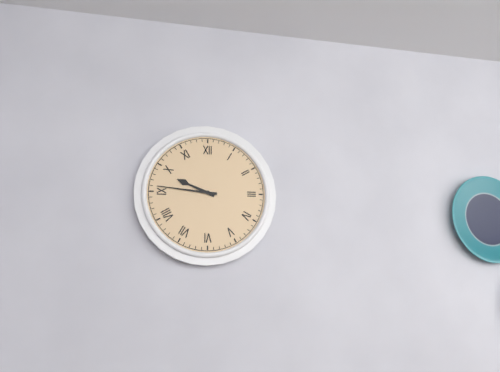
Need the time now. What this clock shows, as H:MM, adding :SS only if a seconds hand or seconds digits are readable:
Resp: 9:46
